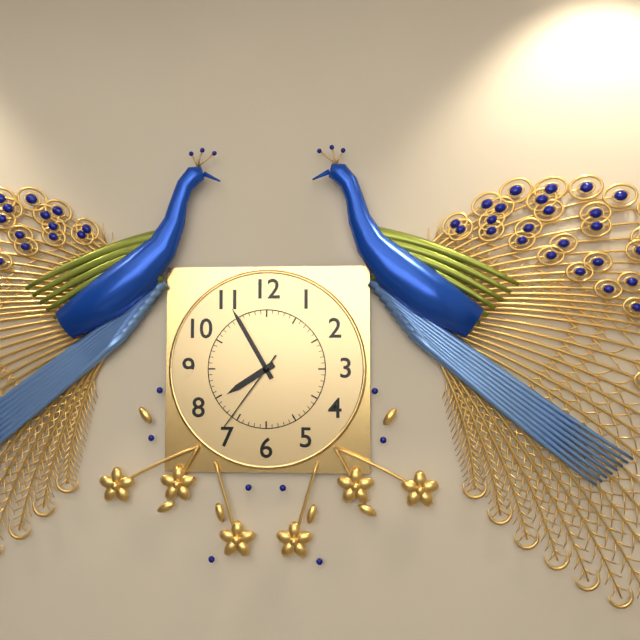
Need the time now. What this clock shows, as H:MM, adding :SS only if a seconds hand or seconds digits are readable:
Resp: 7:55:36
